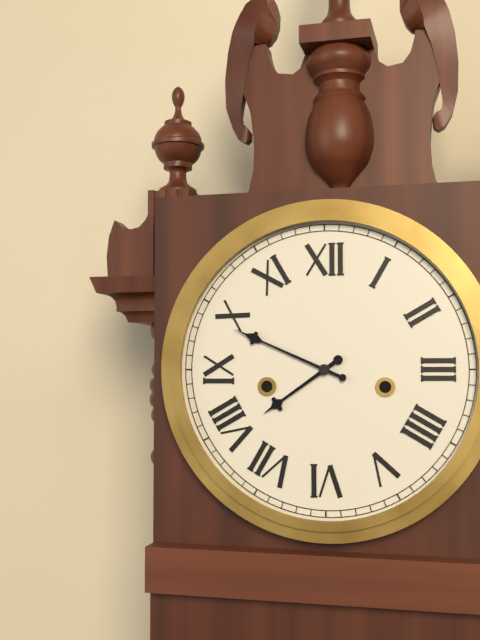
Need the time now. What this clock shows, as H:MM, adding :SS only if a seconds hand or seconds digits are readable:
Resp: 7:49
